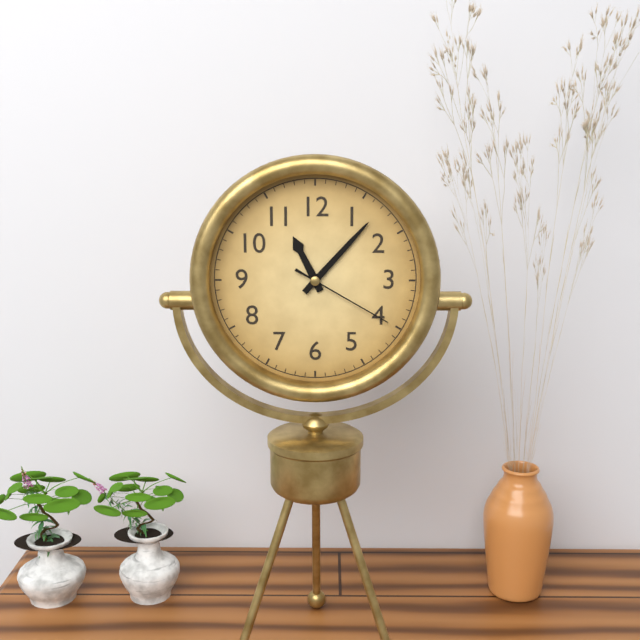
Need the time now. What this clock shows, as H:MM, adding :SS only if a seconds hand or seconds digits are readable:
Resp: 11:07:20
